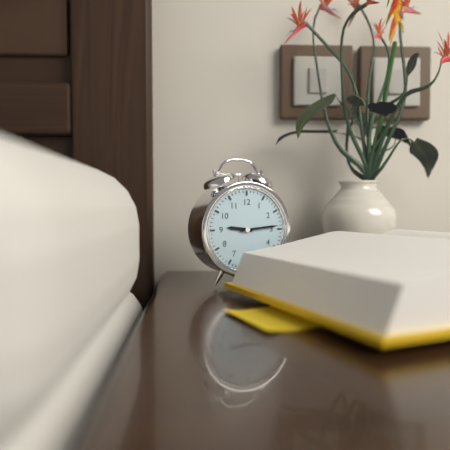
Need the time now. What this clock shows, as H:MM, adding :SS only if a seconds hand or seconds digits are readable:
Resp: 9:14
